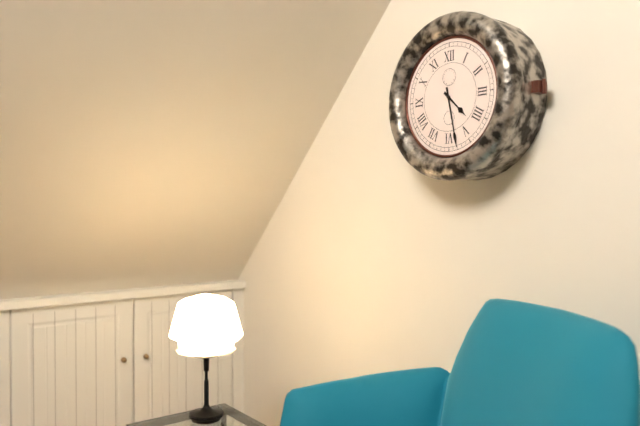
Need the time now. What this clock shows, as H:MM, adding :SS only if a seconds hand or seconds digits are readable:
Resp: 4:28
